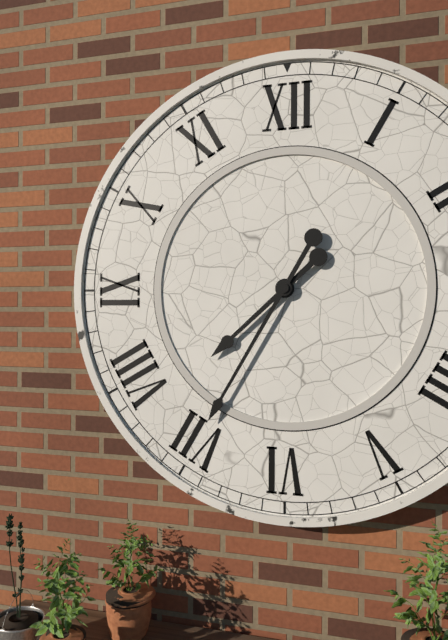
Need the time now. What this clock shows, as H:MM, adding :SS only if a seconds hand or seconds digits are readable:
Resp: 7:35
